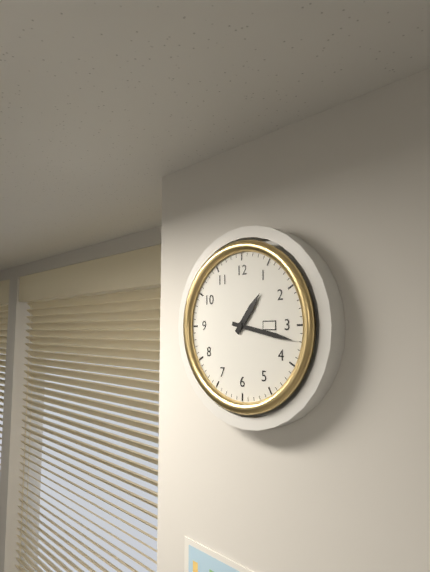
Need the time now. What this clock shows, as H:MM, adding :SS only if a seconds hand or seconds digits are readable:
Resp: 1:17
